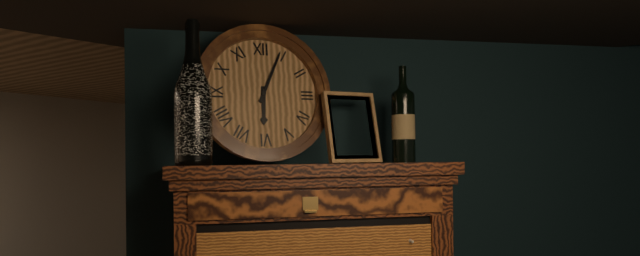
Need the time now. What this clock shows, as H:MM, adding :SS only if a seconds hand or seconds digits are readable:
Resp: 6:04
